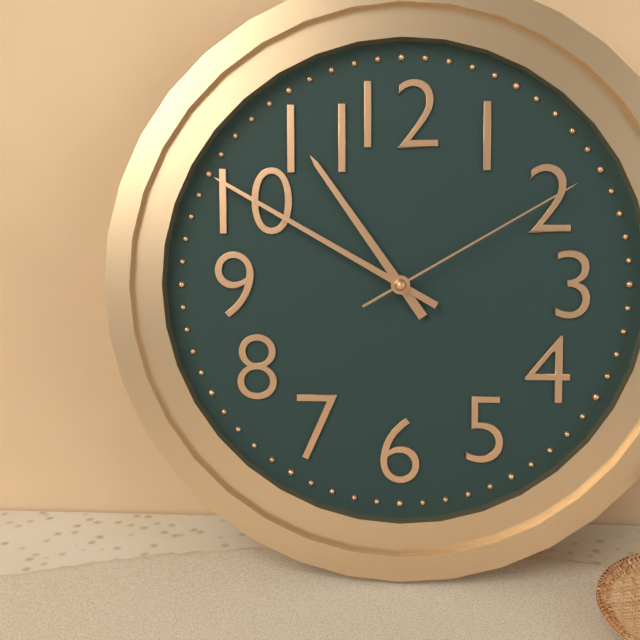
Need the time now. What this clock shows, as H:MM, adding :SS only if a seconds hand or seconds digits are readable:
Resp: 10:50:10
